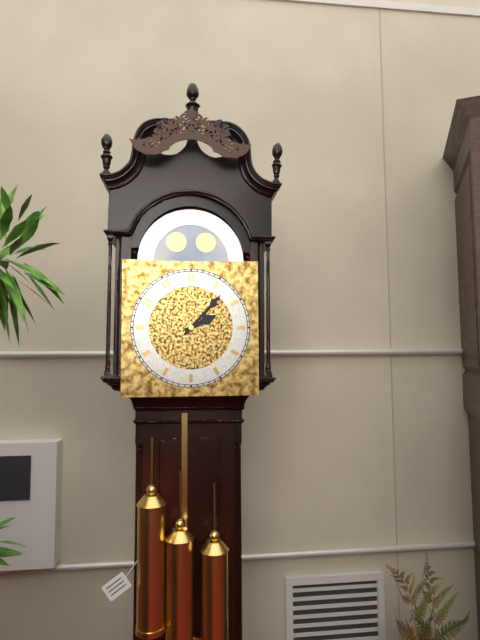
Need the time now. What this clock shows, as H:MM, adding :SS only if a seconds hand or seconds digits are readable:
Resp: 2:07
